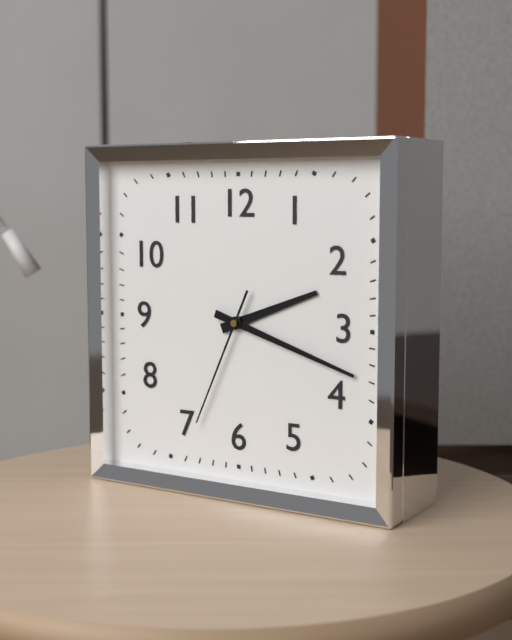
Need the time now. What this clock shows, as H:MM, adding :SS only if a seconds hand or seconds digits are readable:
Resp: 2:18:34
